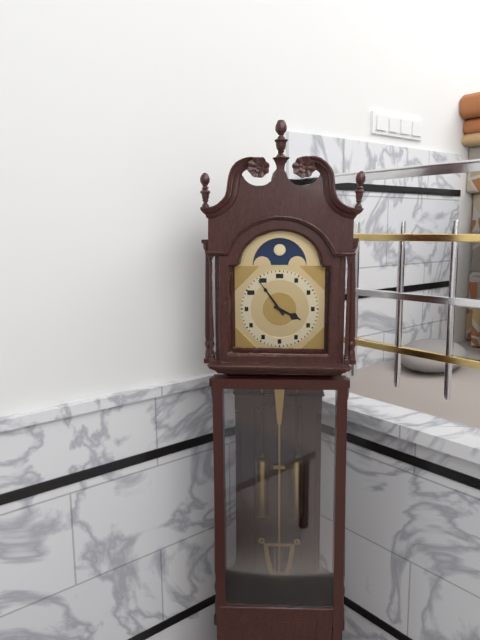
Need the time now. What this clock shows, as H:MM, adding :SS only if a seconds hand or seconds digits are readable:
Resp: 3:54
